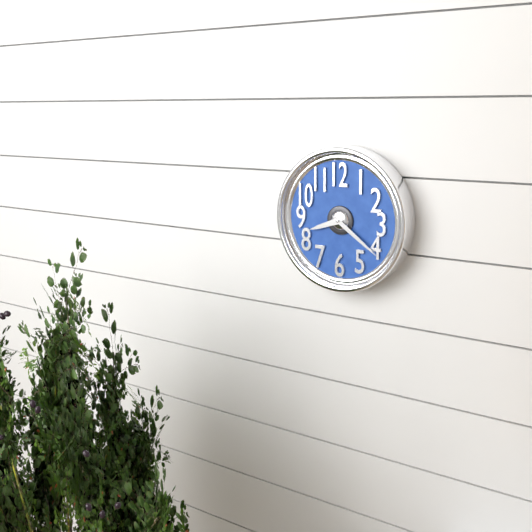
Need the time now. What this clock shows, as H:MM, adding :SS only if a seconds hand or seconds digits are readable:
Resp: 8:21
